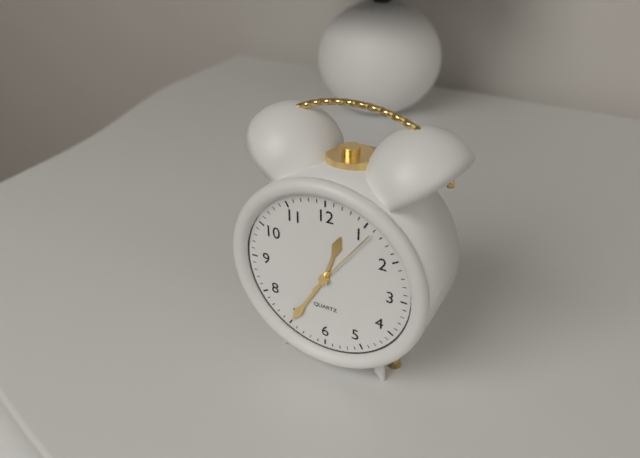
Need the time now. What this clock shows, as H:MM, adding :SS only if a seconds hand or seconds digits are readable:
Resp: 12:35:06
